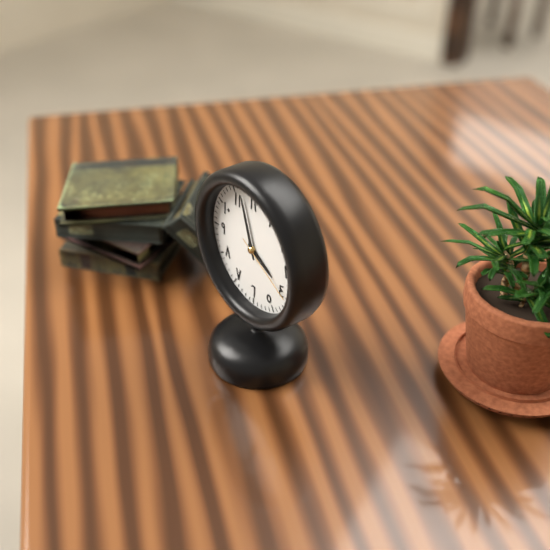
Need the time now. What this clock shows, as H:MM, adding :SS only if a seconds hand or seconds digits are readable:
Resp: 3:57:20
